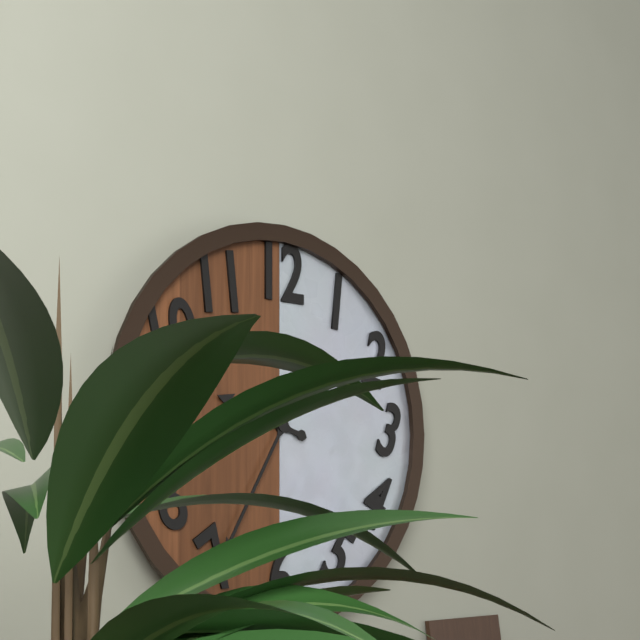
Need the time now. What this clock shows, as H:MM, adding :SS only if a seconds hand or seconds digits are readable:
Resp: 9:35
